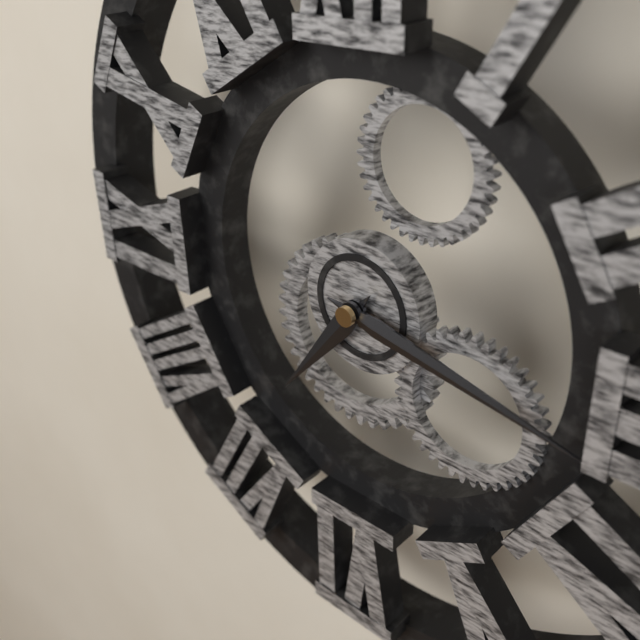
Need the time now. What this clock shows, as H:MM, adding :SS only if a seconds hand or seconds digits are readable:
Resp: 7:17
